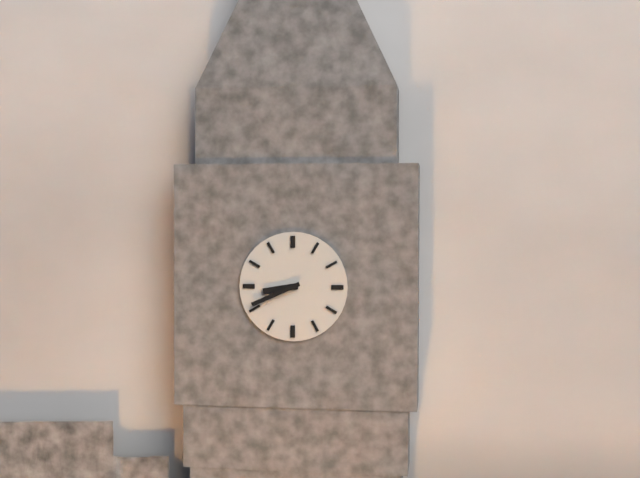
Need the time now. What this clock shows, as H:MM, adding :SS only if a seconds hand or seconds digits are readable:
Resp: 8:41
